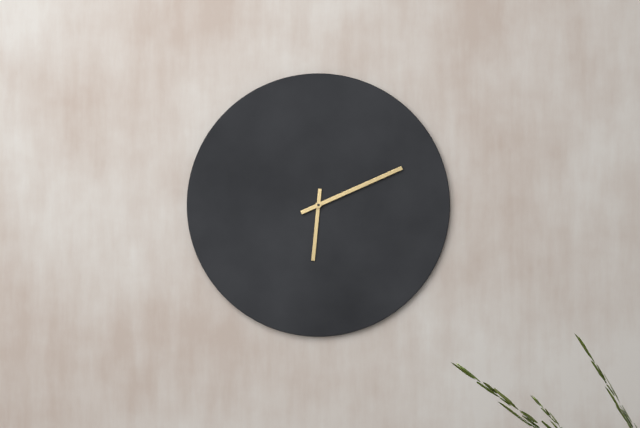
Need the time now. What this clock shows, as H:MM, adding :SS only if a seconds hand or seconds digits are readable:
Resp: 6:11
